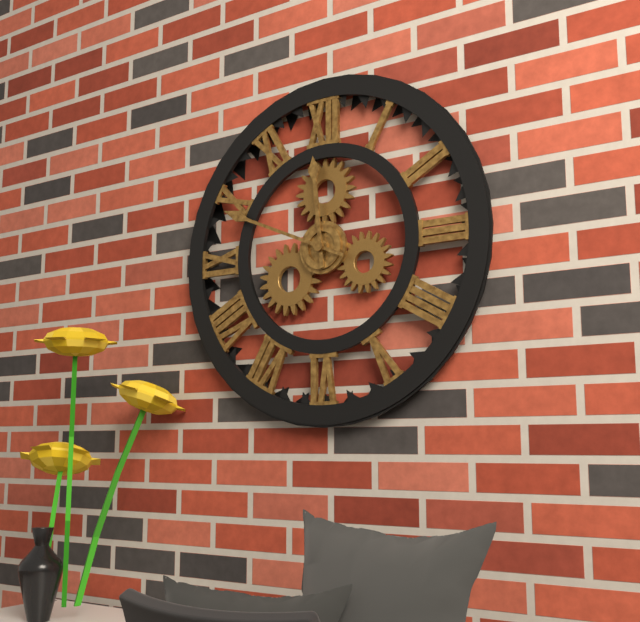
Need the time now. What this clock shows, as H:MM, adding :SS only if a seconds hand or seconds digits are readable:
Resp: 11:49
